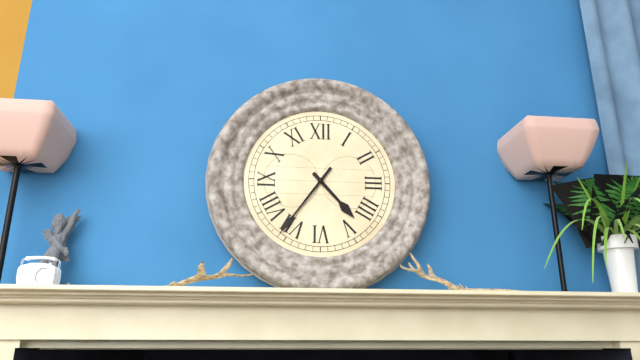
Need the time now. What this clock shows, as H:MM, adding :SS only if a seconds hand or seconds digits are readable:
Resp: 4:36
